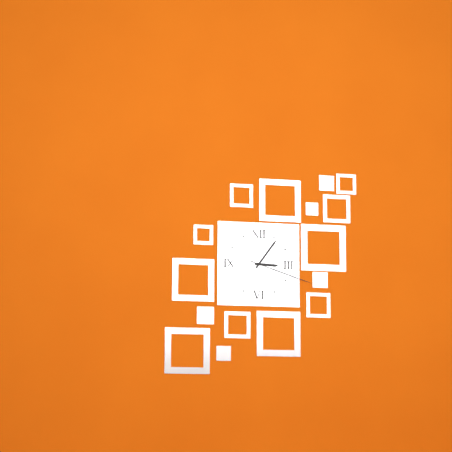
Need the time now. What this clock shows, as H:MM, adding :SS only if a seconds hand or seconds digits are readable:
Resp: 3:06:18
